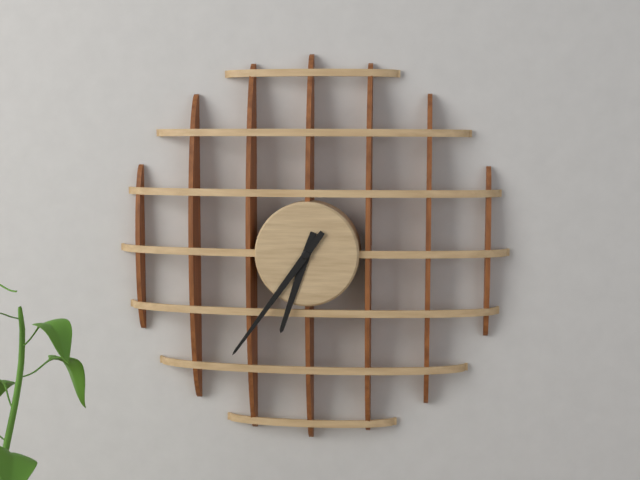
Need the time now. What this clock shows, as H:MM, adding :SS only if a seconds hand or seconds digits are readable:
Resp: 6:36
